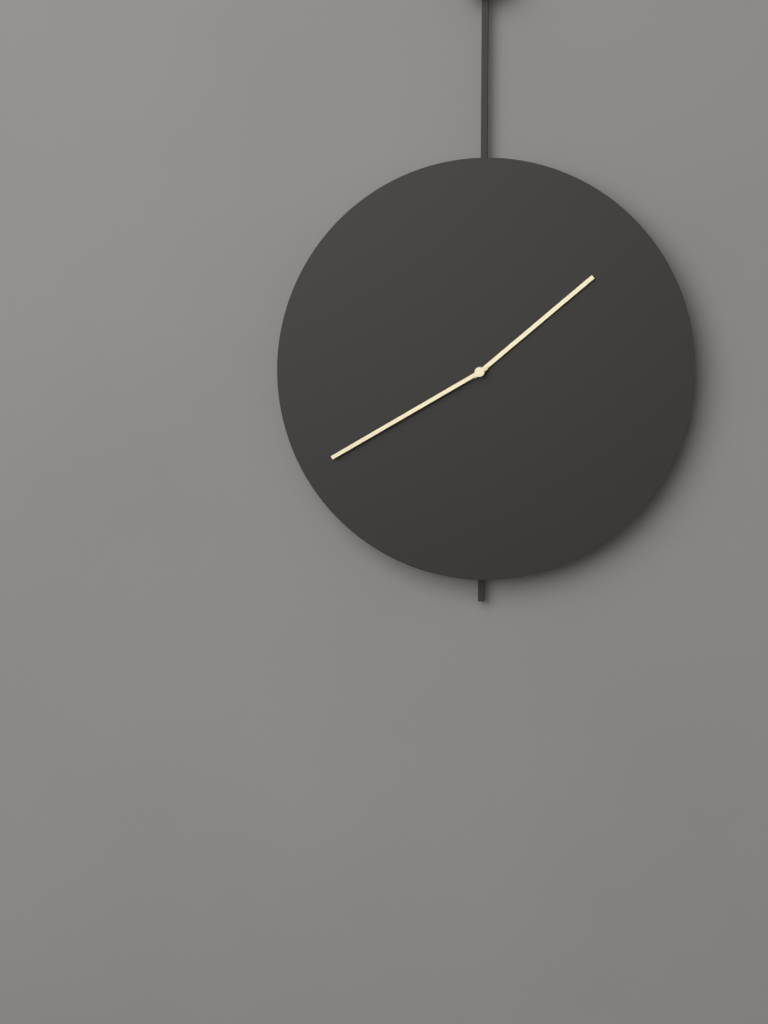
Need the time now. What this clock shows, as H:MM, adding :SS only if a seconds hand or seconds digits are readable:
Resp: 1:40
